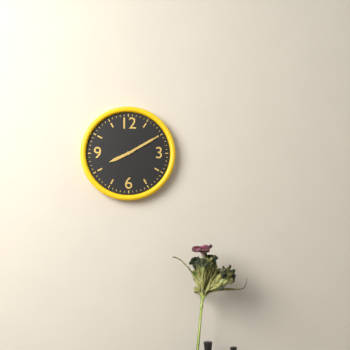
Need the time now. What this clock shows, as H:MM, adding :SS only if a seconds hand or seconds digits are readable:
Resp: 8:10
